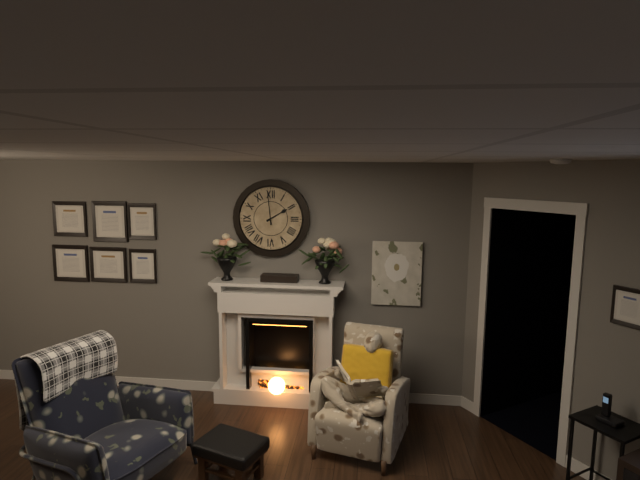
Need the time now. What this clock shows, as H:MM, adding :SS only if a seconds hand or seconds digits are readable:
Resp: 1:59
